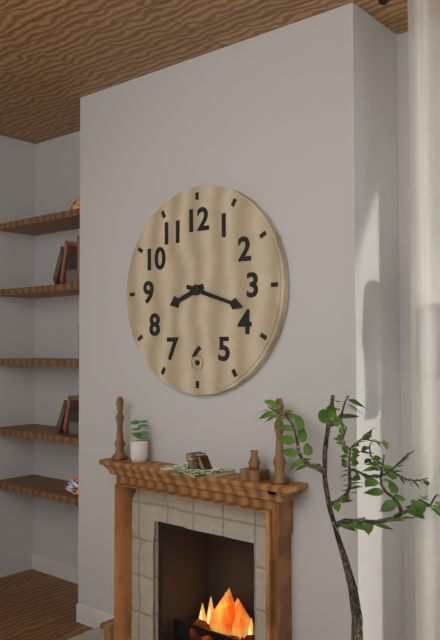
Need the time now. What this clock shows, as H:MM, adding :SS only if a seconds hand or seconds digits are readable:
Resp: 8:18
